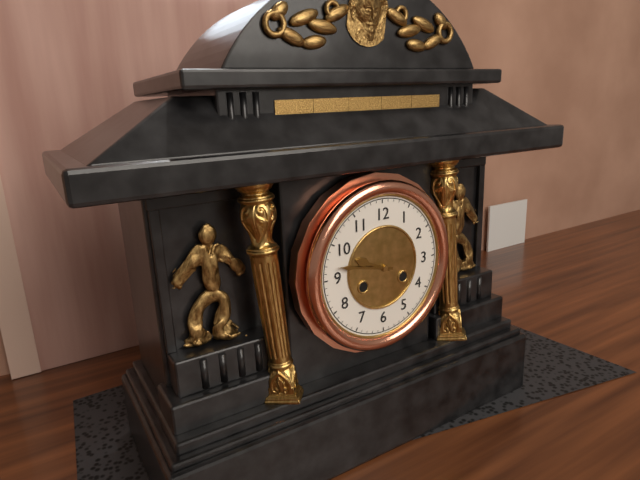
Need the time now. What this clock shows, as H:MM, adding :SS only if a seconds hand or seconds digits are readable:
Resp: 9:47
